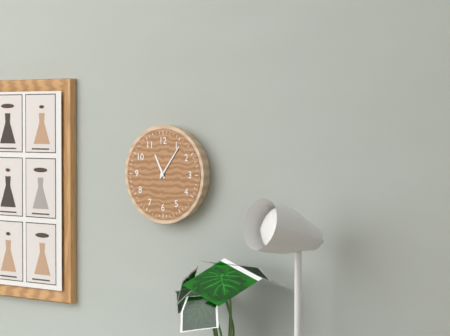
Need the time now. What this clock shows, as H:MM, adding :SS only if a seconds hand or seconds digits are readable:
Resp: 11:06
